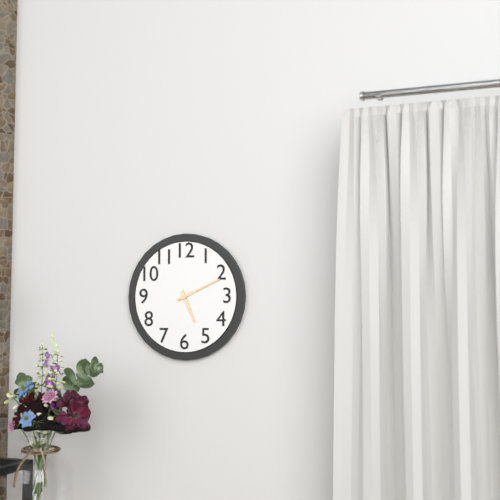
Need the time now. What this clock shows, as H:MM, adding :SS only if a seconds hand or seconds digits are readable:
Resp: 5:11
